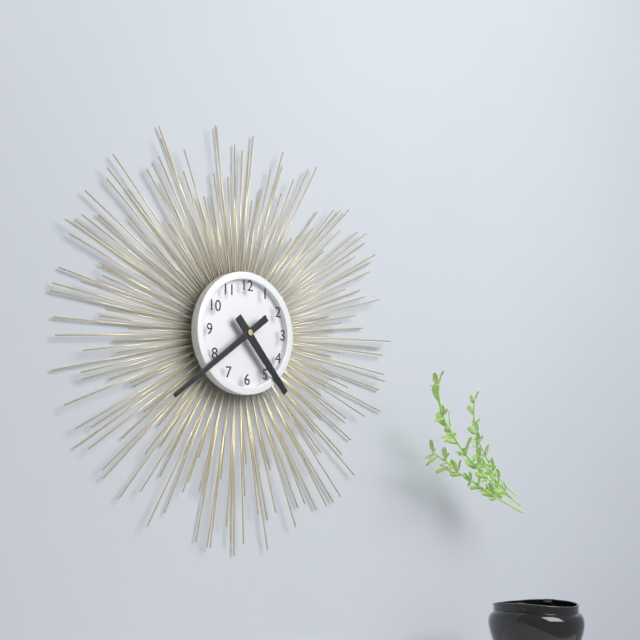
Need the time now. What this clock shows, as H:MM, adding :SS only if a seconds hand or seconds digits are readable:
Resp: 4:39
